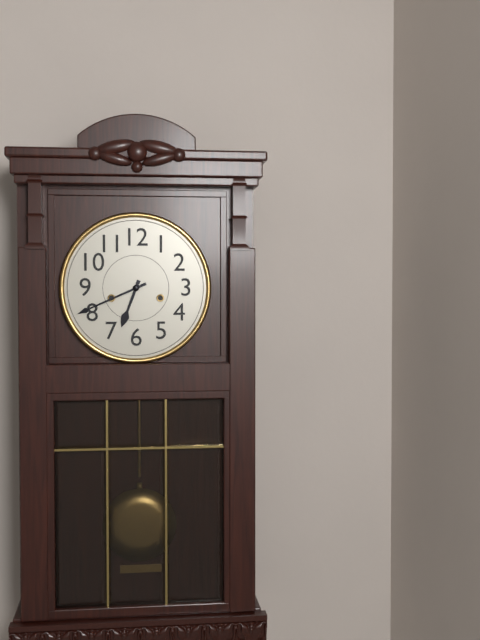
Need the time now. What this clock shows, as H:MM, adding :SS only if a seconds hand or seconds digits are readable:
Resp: 6:41
